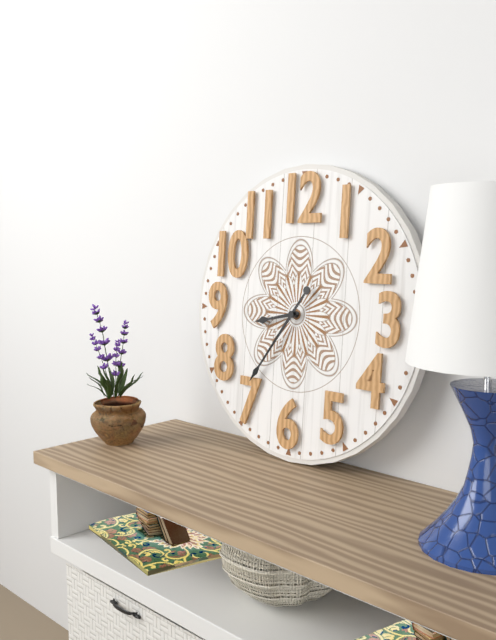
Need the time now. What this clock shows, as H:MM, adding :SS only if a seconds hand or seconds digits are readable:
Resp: 8:36
